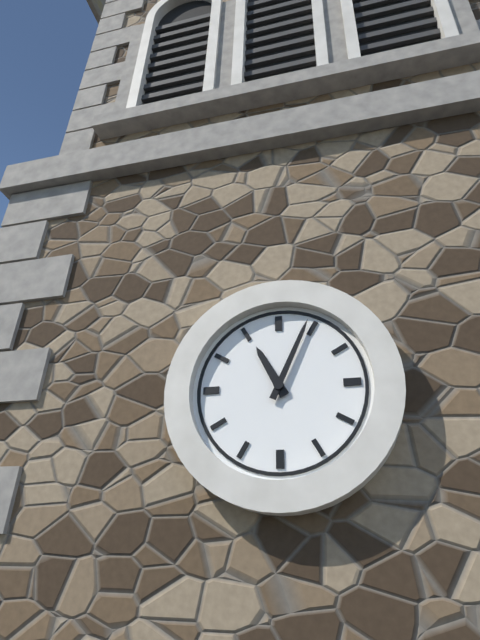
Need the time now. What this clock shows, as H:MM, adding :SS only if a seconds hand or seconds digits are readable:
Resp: 11:04
